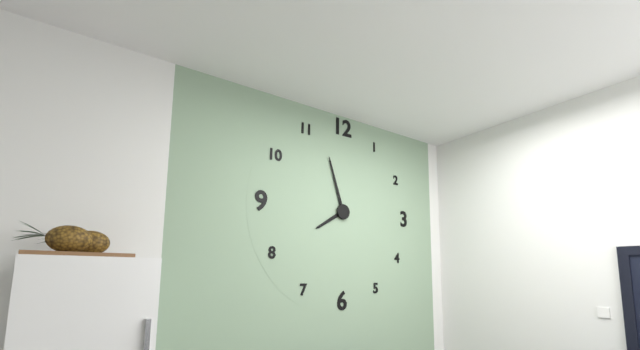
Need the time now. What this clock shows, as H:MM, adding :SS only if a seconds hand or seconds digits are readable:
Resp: 7:57
